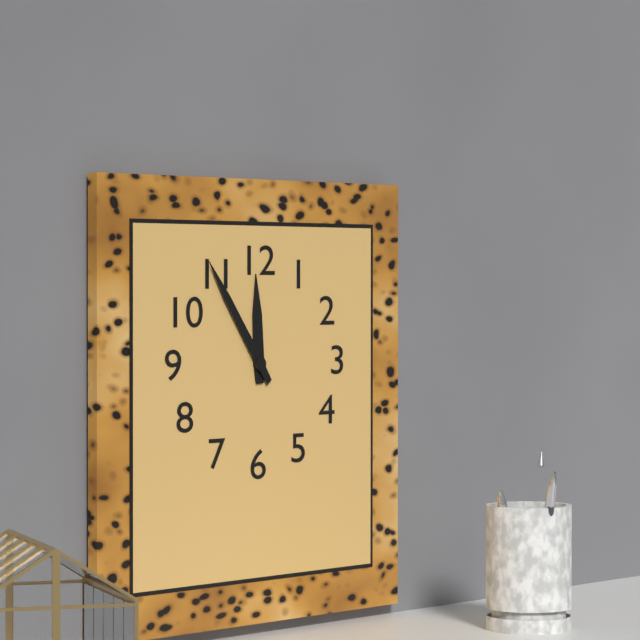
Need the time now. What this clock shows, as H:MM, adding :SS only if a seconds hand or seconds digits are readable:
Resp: 11:54
